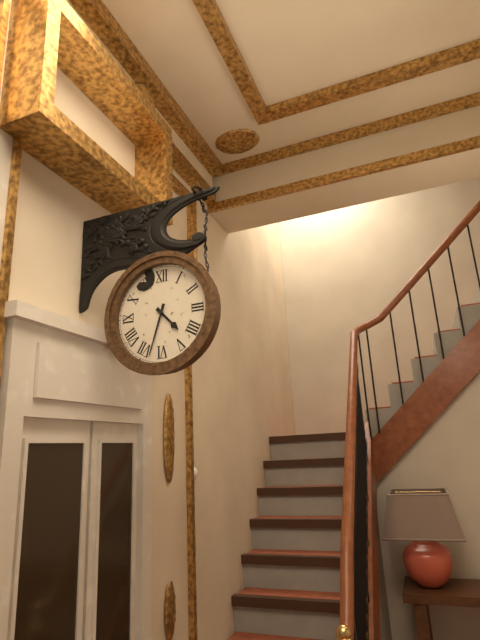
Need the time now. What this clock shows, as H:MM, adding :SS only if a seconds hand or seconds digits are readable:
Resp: 4:33
